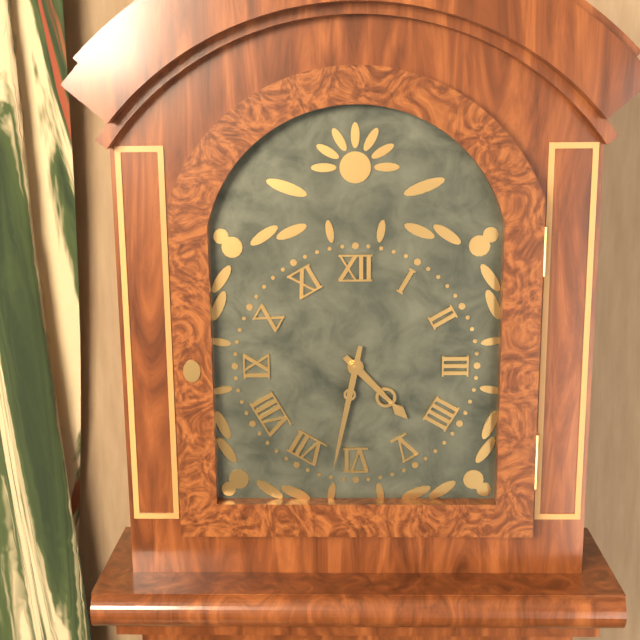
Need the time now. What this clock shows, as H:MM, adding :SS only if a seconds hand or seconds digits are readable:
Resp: 4:32
